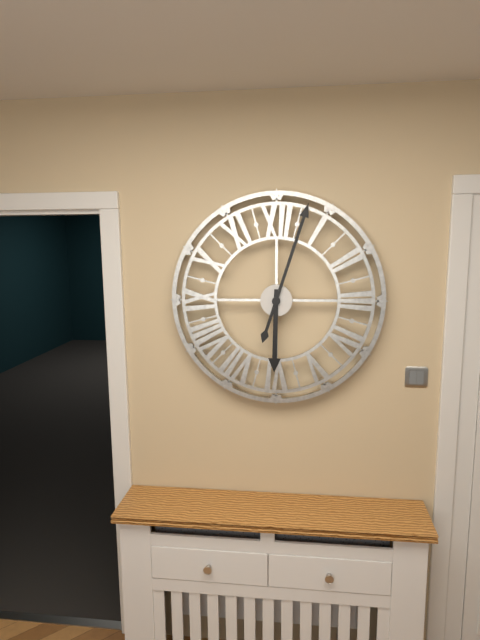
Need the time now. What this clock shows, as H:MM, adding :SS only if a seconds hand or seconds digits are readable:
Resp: 6:03
